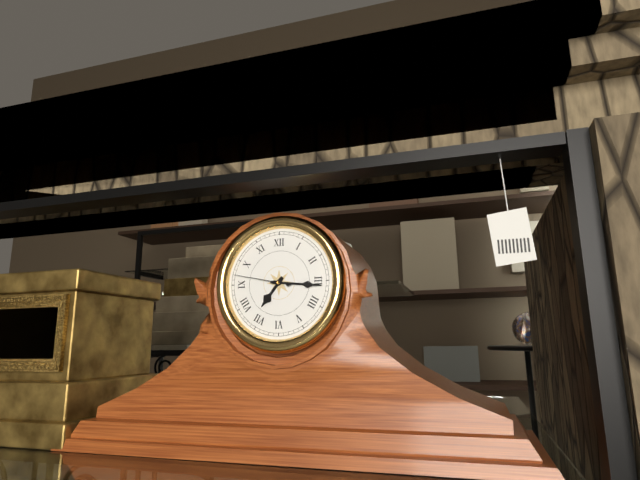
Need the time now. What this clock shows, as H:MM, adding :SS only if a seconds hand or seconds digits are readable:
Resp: 7:16:47
